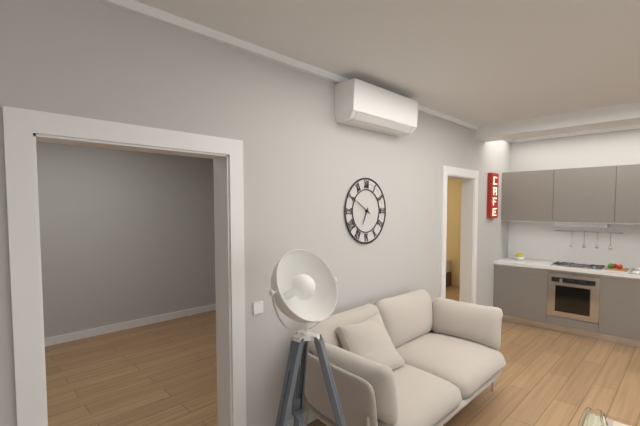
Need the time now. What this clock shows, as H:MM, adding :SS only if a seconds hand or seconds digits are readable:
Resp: 6:50
